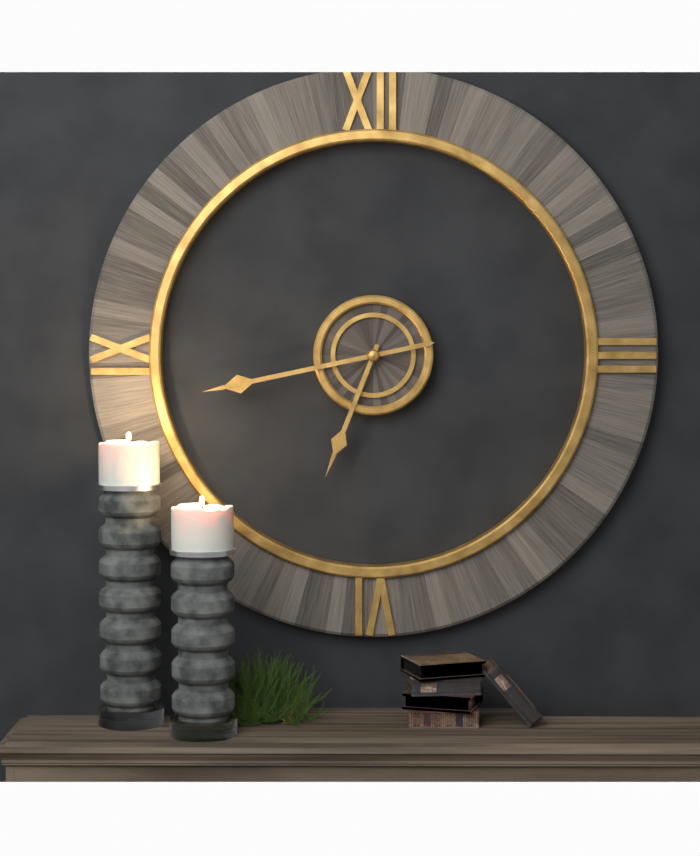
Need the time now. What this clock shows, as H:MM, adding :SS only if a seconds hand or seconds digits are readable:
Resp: 6:43
